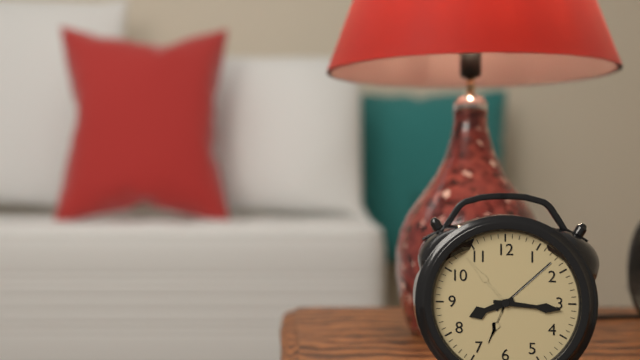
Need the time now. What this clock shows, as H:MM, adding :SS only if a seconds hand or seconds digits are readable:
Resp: 8:16
